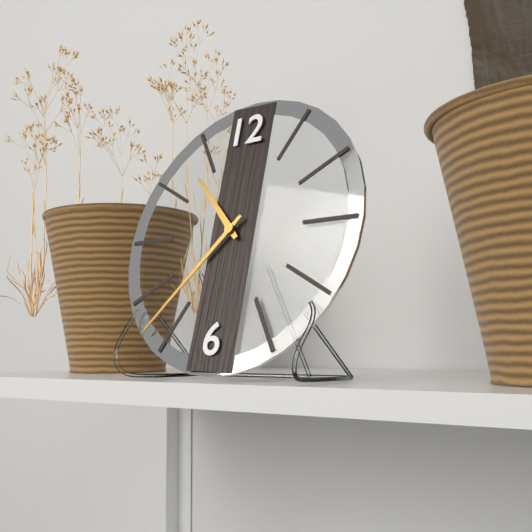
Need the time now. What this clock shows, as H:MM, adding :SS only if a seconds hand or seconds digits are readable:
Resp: 10:37
